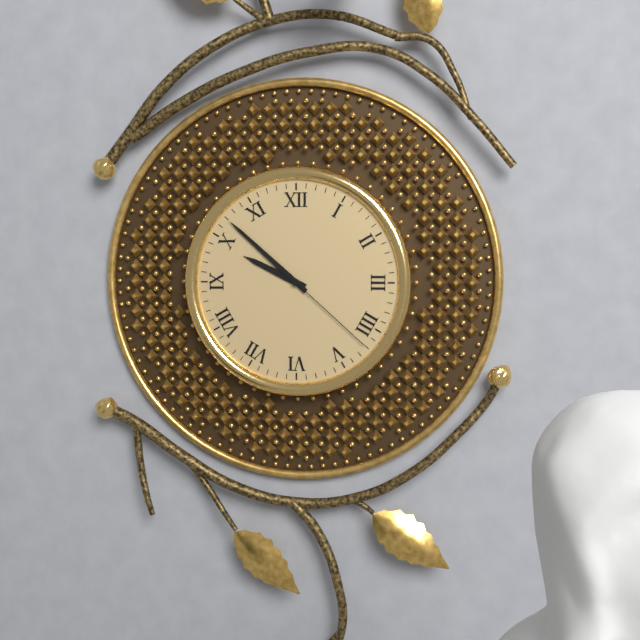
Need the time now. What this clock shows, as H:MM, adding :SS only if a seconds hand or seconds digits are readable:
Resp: 9:52:22
